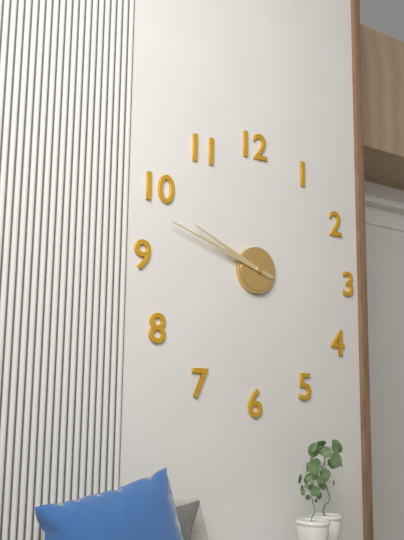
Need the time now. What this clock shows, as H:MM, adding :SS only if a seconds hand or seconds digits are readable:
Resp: 9:48
